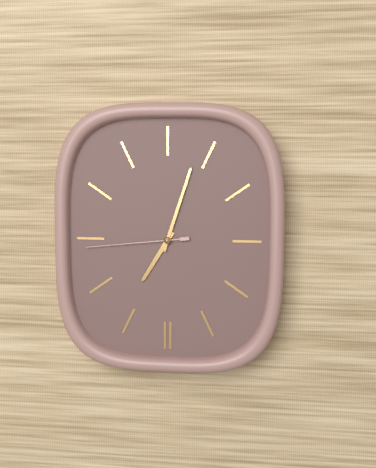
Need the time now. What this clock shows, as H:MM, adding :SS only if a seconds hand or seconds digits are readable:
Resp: 7:03:44
